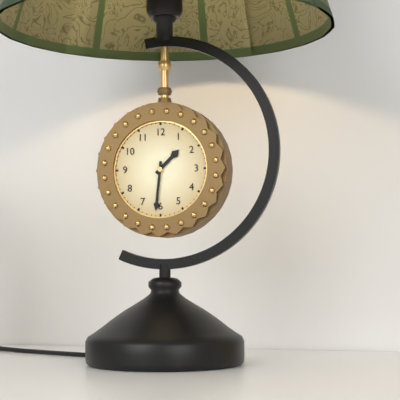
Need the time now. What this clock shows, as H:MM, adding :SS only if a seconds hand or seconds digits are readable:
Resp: 1:31
